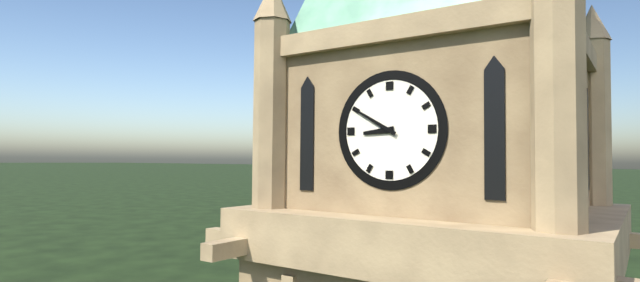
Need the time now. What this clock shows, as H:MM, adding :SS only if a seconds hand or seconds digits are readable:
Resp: 8:50
